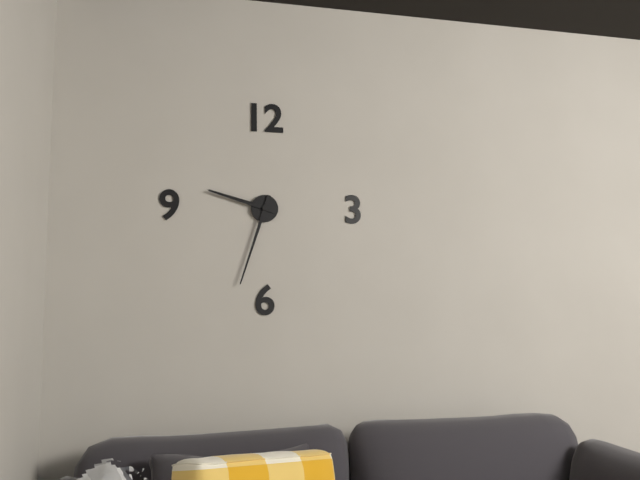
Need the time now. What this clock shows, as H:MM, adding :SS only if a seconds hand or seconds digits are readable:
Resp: 9:33
